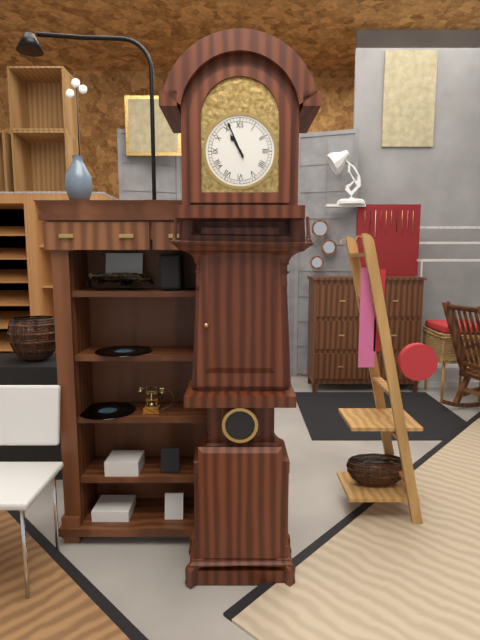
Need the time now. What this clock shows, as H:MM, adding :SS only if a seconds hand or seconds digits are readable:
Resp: 10:56
